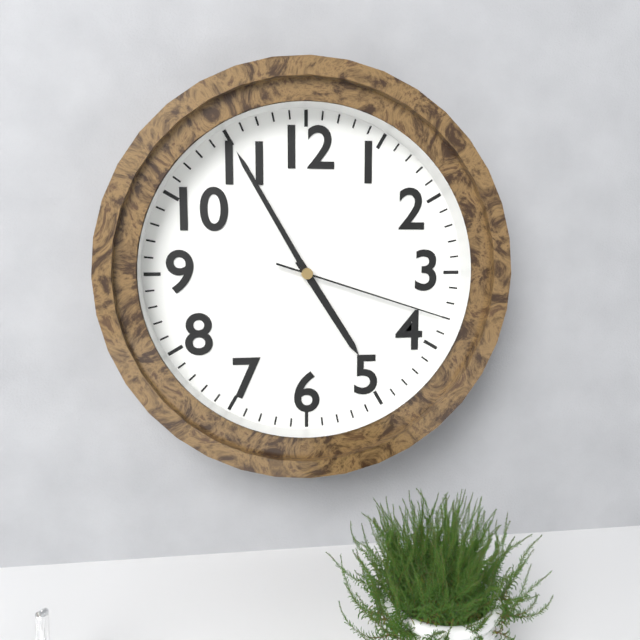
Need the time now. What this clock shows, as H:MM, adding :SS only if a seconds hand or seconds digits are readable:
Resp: 4:55:18
